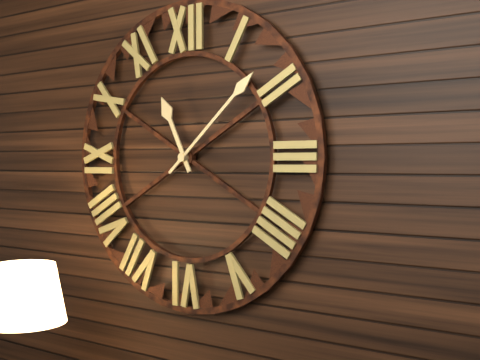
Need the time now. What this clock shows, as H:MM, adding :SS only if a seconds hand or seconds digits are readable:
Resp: 11:08
